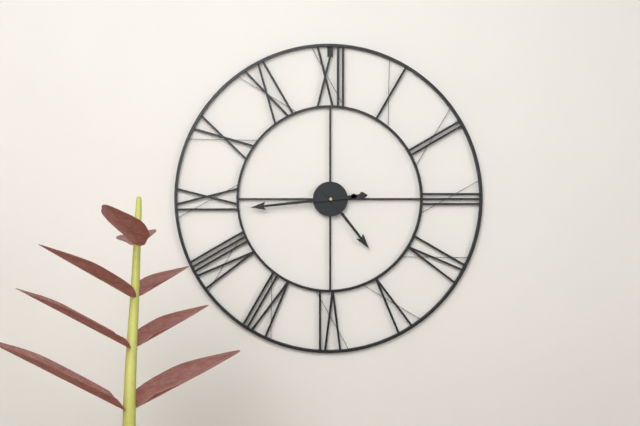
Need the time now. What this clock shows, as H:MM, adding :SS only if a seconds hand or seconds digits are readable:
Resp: 4:44
